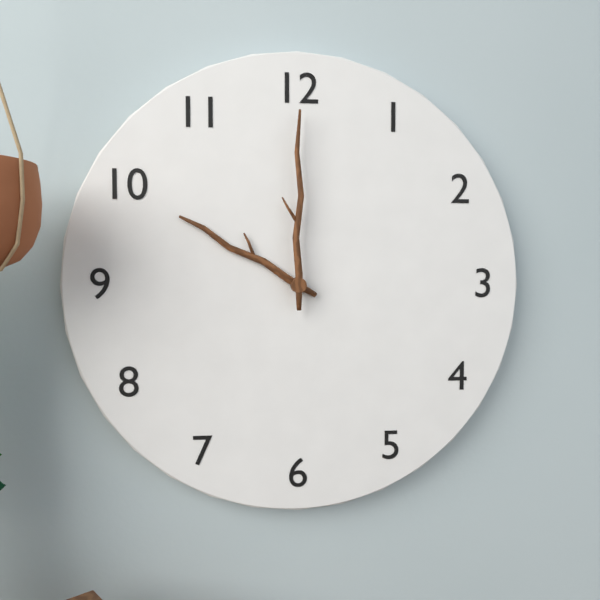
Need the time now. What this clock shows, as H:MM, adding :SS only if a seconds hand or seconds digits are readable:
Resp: 10:00
